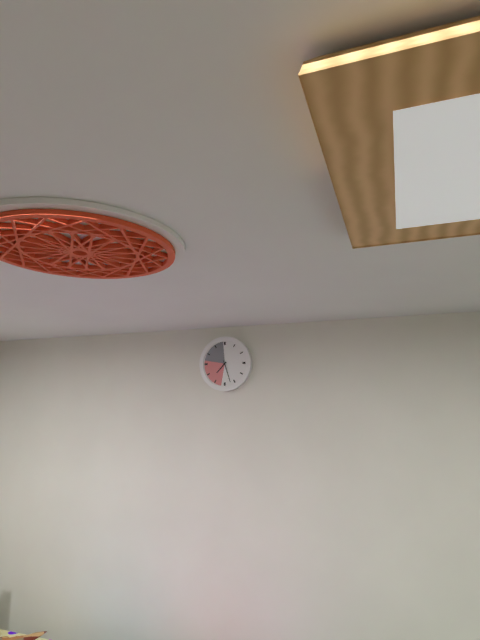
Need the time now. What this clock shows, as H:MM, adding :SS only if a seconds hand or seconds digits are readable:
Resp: 7:27
